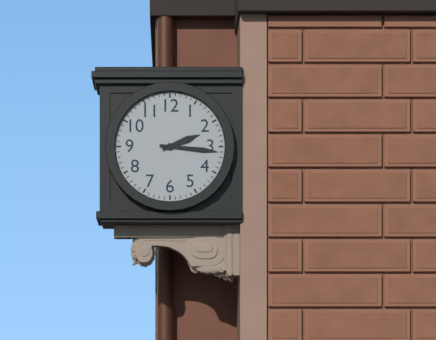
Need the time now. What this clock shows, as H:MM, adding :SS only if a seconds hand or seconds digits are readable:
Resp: 2:16
